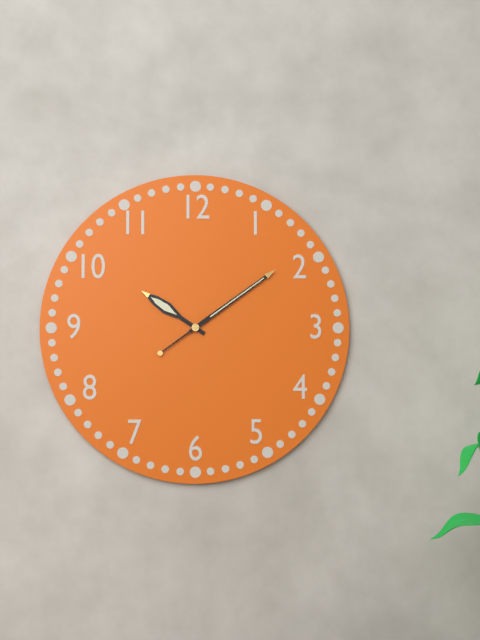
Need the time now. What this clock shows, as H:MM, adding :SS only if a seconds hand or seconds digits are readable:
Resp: 10:09
